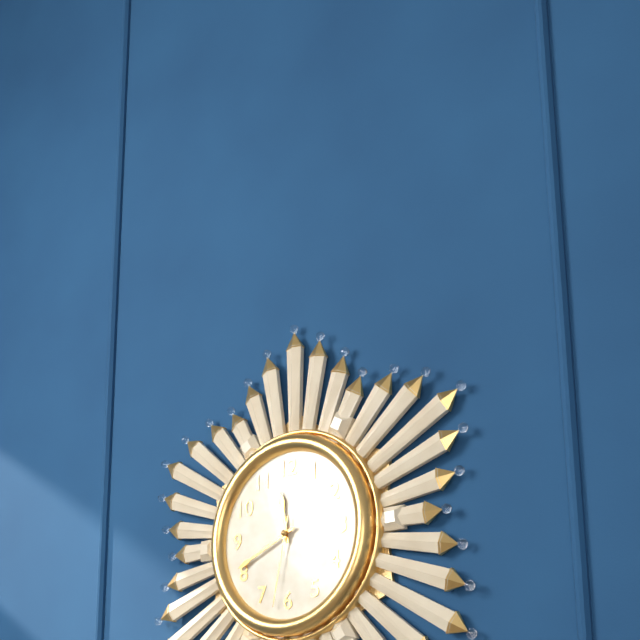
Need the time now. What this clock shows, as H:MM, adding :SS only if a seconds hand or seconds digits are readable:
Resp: 11:41:32
